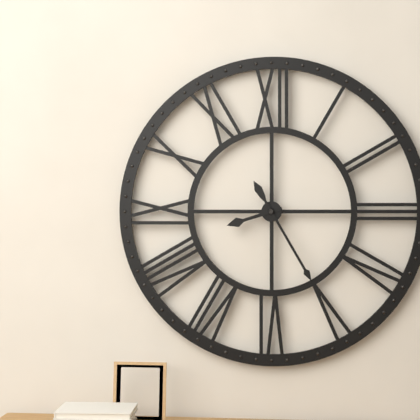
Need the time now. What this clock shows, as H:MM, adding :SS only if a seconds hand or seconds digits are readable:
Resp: 8:25
